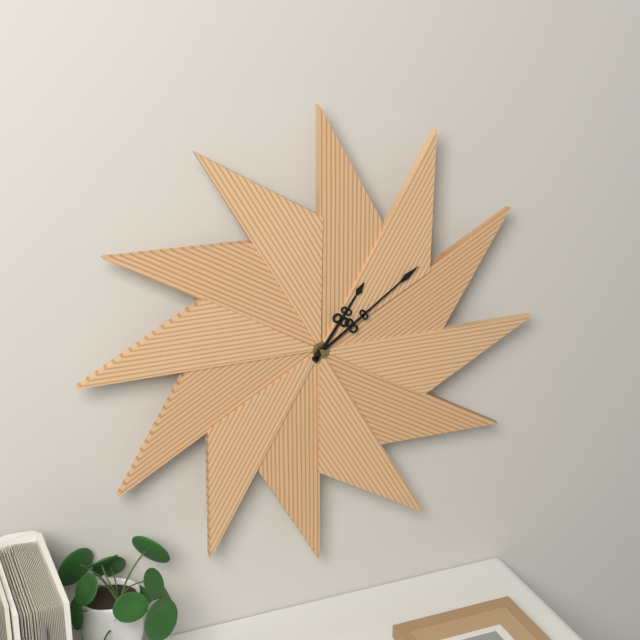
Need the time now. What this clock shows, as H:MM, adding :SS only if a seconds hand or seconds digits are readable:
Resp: 1:09
